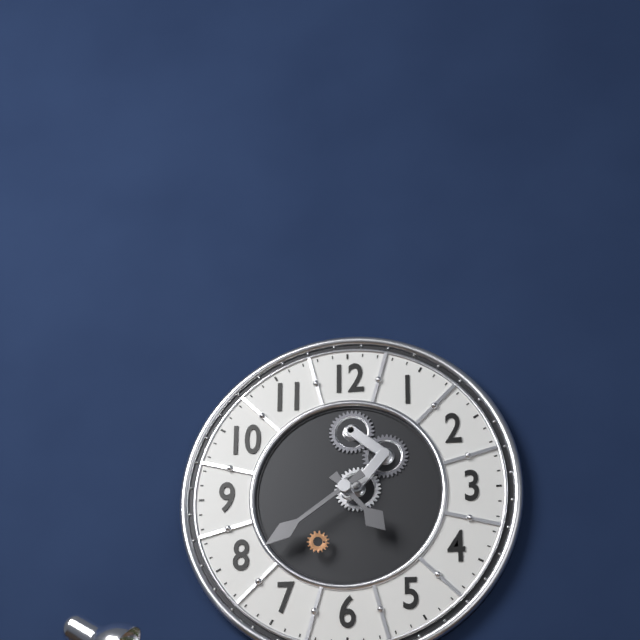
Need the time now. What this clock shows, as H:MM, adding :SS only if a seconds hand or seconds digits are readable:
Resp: 4:39
